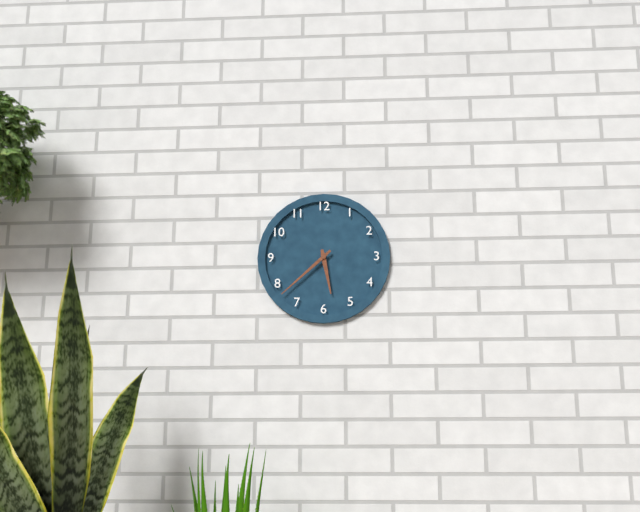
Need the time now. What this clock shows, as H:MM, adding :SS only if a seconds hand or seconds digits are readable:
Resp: 5:38
